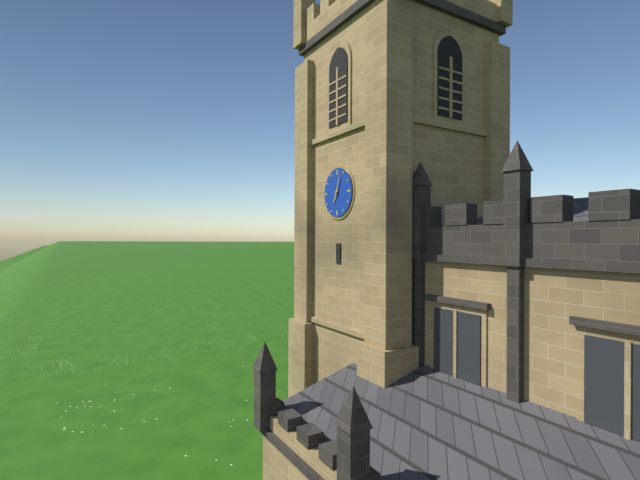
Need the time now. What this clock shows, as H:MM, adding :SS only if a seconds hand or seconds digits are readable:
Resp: 7:03
